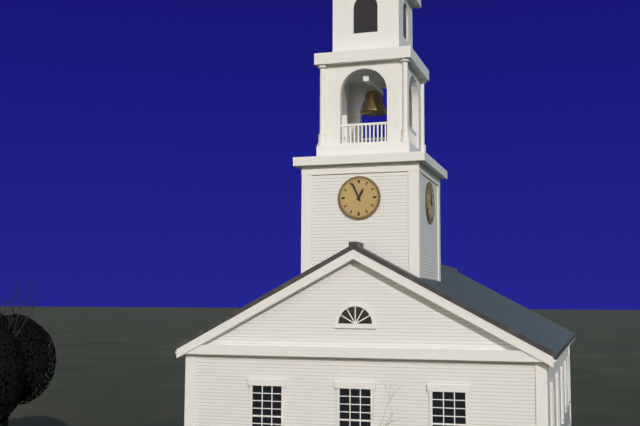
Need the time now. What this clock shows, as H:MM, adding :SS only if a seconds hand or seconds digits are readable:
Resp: 12:56
